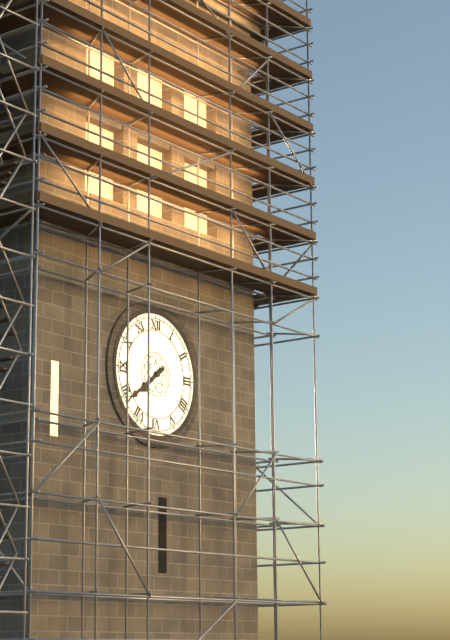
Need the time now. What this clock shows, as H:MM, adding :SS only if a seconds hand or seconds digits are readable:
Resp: 7:39
